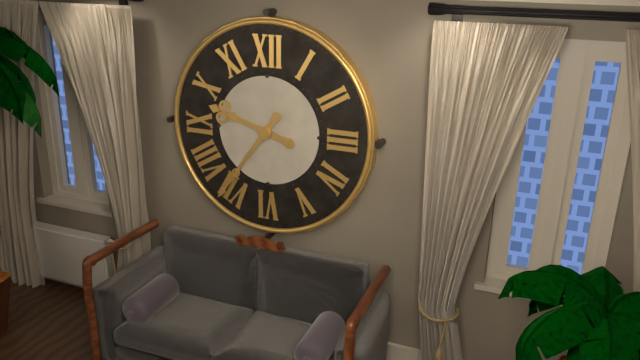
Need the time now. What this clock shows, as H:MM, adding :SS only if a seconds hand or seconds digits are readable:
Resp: 9:36
